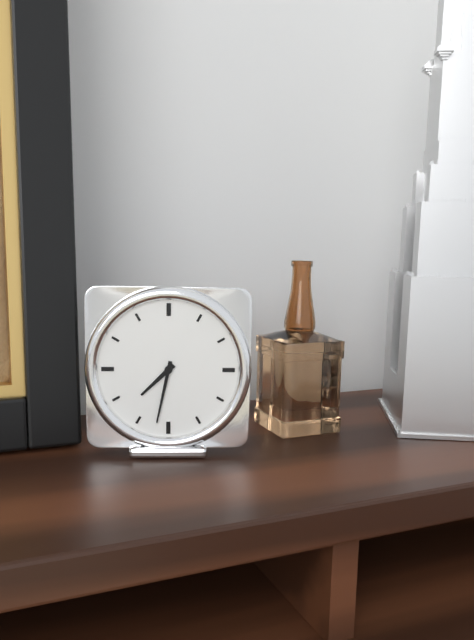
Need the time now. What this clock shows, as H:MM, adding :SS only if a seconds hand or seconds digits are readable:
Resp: 7:32
